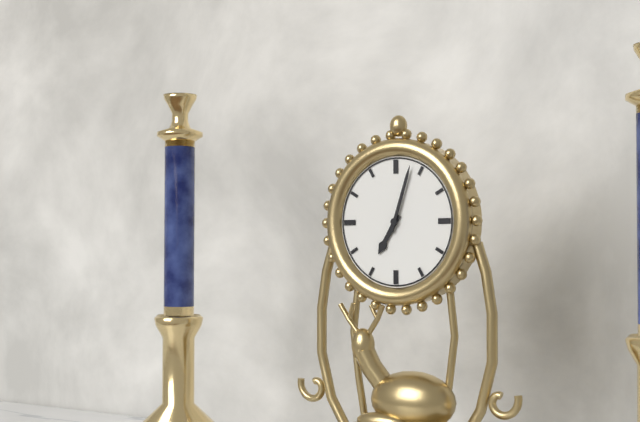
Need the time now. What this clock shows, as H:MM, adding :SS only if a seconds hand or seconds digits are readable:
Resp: 7:03
